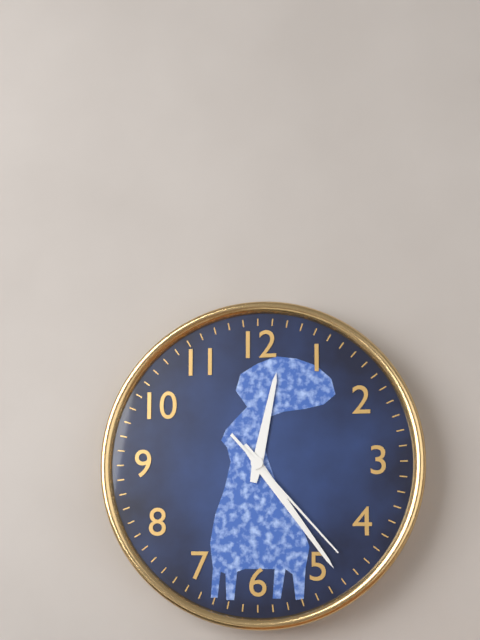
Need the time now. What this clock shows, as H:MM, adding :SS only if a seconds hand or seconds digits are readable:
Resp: 12:24:23
